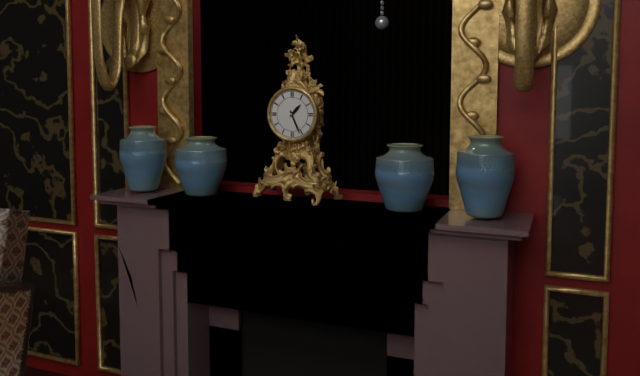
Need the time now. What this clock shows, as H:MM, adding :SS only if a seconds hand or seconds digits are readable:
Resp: 1:26
